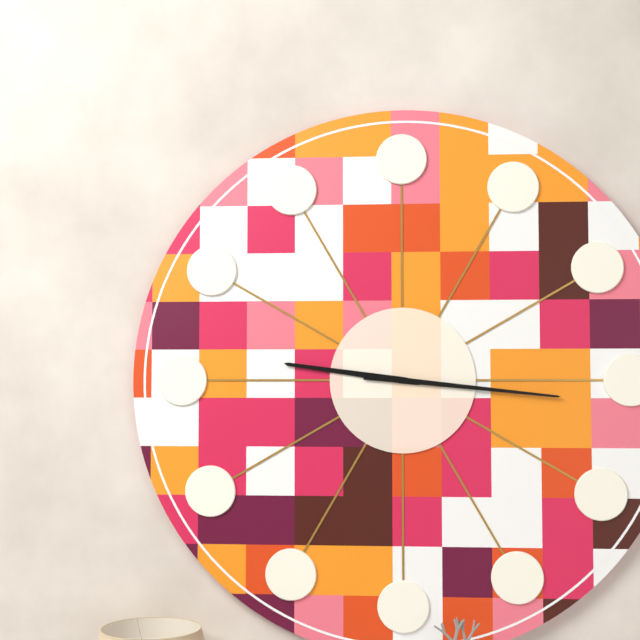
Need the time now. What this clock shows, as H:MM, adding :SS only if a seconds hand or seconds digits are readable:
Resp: 9:16
